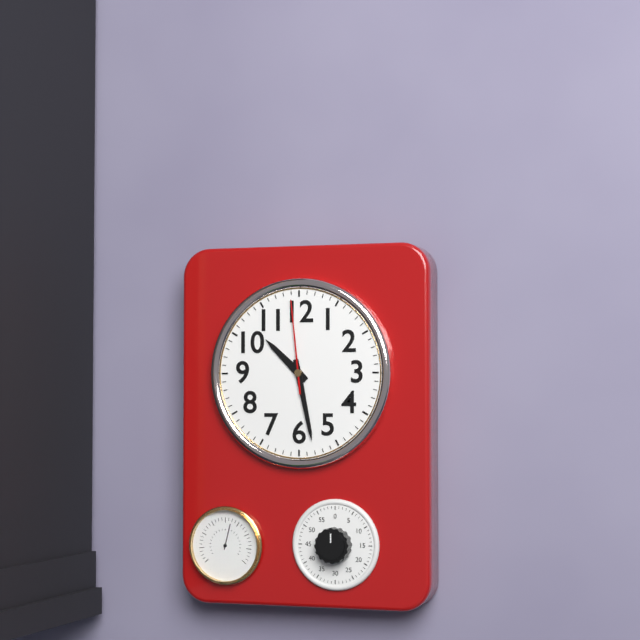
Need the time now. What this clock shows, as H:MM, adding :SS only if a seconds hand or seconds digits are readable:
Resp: 10:28:59
